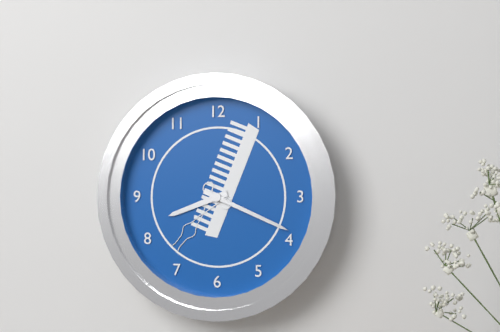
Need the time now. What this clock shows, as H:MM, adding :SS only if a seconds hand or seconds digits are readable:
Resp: 8:19
